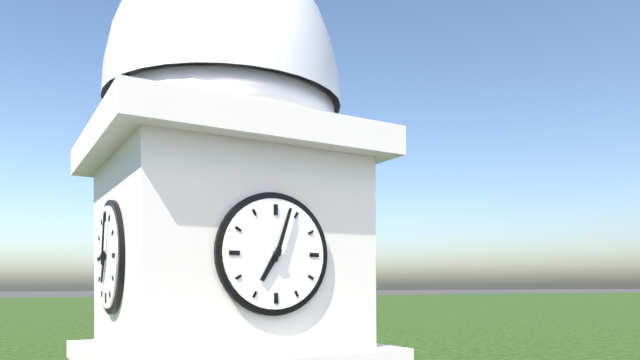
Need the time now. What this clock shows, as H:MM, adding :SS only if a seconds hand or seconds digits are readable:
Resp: 7:03
